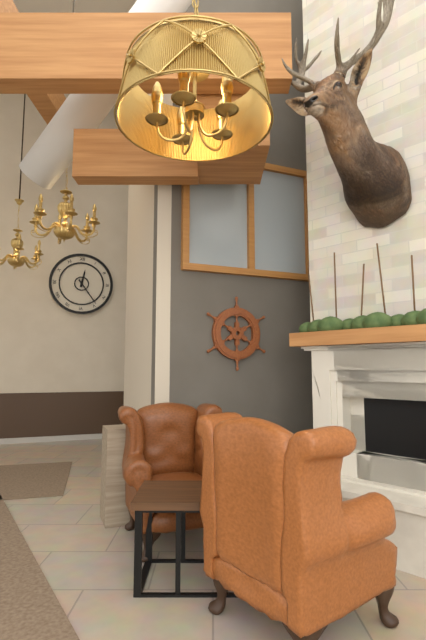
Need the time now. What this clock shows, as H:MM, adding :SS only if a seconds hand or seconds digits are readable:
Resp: 12:24
